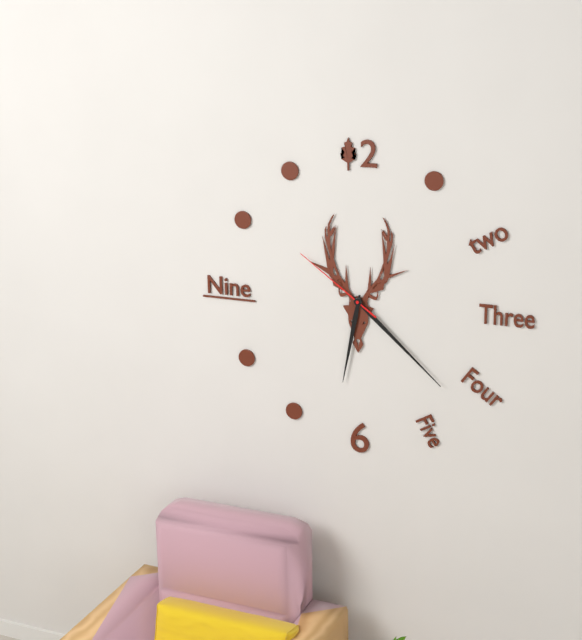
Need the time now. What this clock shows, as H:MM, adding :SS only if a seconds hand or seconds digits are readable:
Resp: 6:22:51
